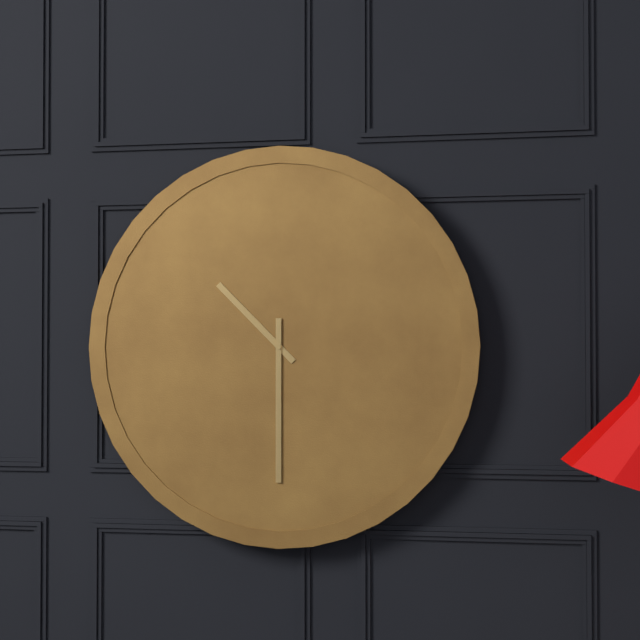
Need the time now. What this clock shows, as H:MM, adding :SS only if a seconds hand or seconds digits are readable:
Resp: 10:30
